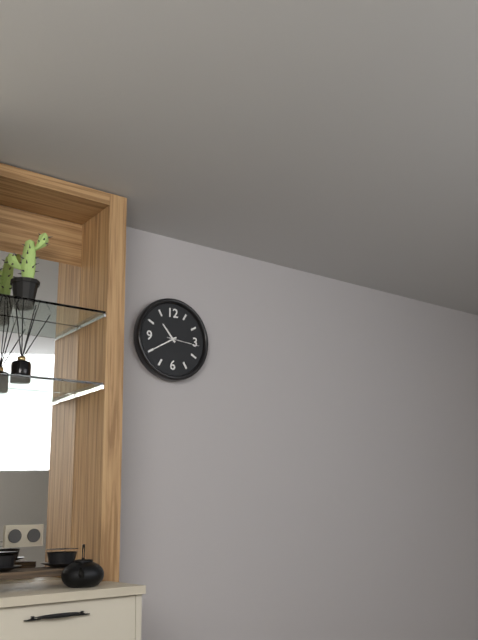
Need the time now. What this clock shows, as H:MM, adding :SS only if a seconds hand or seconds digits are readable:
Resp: 10:40
